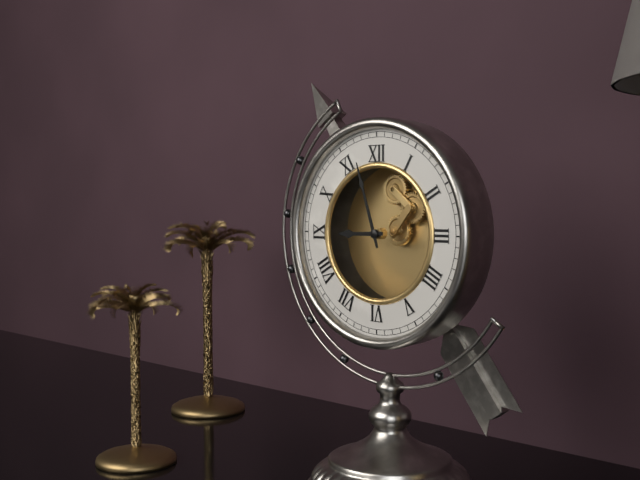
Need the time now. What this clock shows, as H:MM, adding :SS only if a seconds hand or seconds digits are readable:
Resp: 8:57
